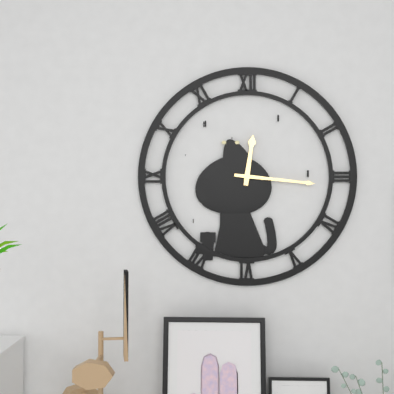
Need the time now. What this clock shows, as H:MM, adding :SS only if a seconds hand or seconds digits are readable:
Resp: 12:16
